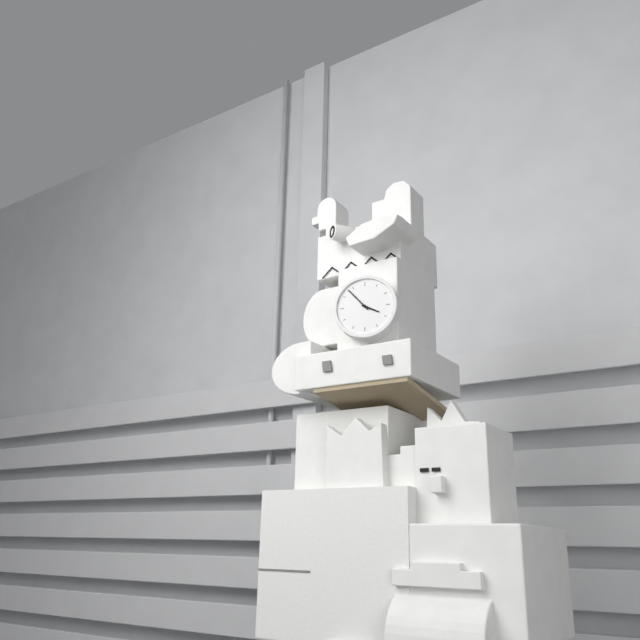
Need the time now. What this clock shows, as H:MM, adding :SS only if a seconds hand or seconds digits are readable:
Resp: 3:53
